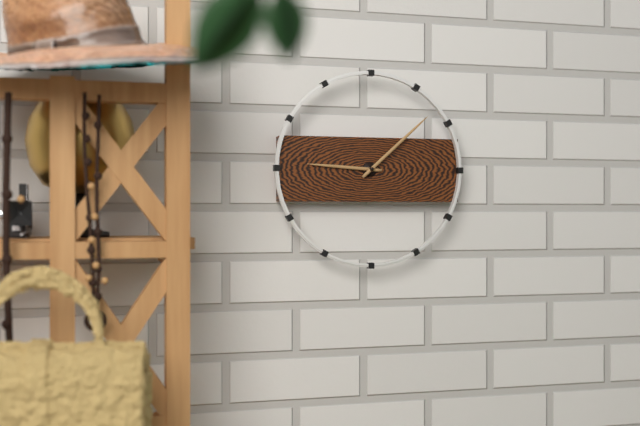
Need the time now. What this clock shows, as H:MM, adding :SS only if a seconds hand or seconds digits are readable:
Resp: 9:08
